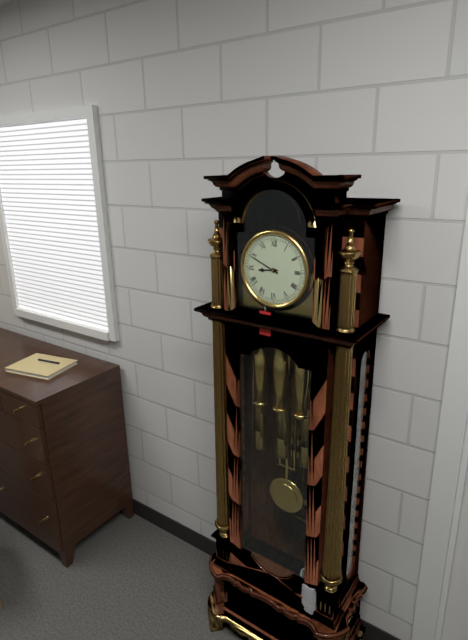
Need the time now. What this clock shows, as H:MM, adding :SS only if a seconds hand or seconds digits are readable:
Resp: 8:49
